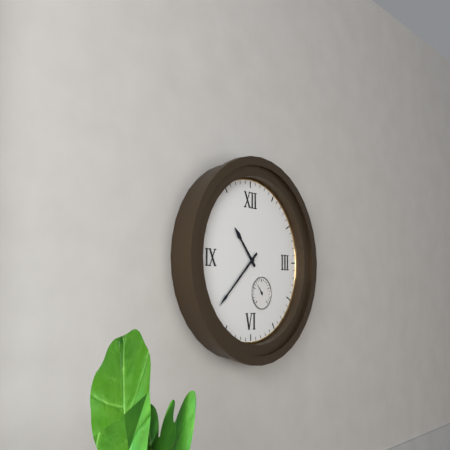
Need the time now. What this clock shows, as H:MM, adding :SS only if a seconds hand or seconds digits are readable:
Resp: 10:38
